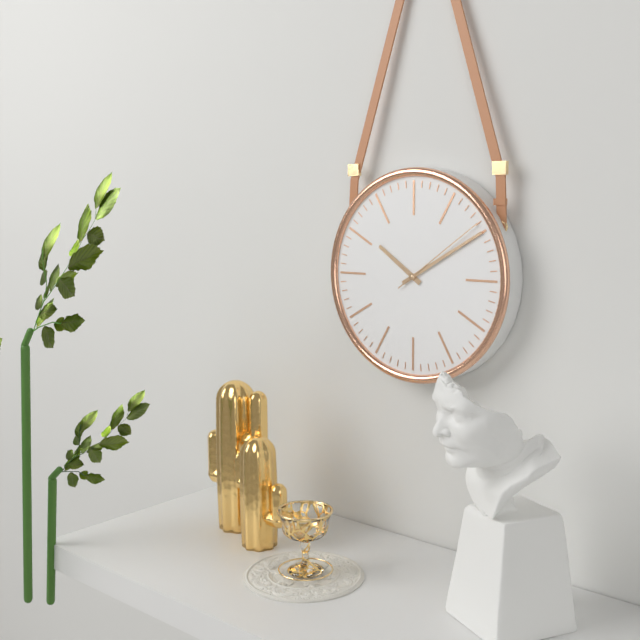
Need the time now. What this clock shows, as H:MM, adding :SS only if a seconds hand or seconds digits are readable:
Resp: 10:10:09
